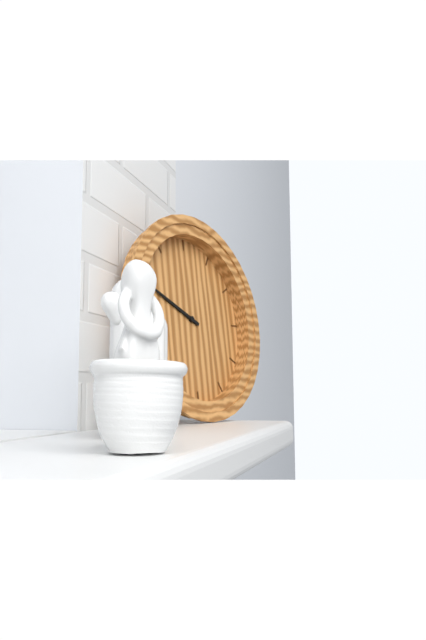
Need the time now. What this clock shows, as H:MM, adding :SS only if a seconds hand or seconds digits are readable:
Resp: 9:49
